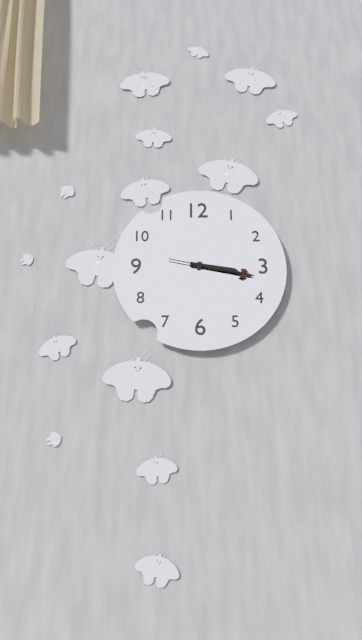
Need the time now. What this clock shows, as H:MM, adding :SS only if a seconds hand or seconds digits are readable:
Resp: 3:17:17
